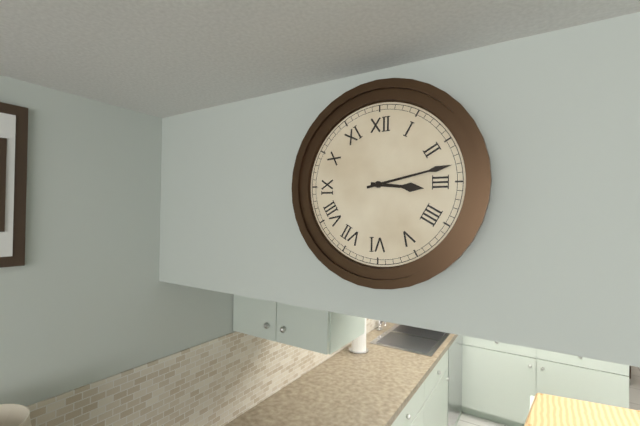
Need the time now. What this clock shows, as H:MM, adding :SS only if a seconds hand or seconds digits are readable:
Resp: 3:13
